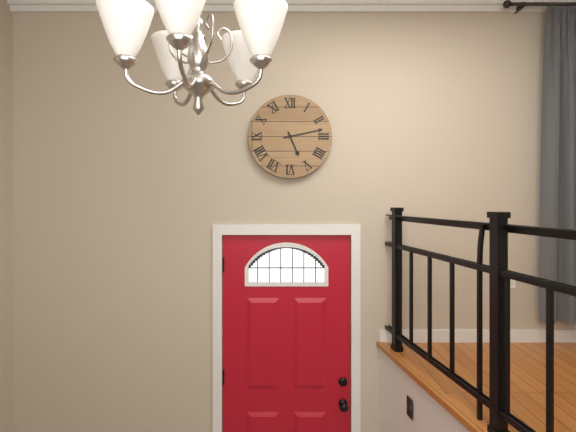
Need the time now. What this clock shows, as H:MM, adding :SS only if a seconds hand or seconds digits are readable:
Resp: 5:13
